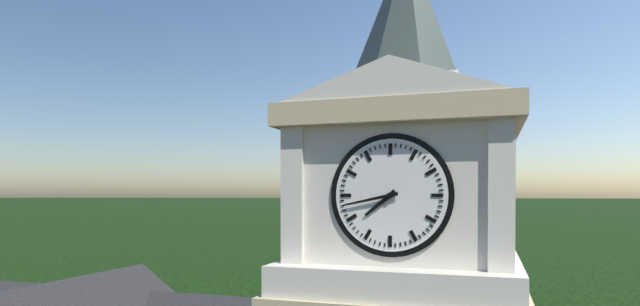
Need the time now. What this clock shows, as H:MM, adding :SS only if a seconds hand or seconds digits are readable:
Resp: 7:43
